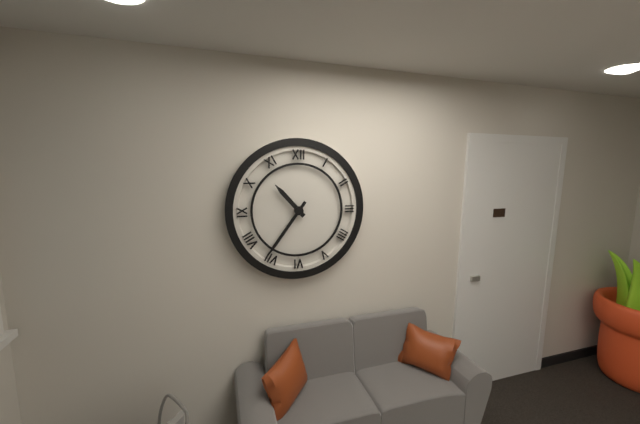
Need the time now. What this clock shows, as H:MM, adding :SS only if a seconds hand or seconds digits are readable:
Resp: 10:36
